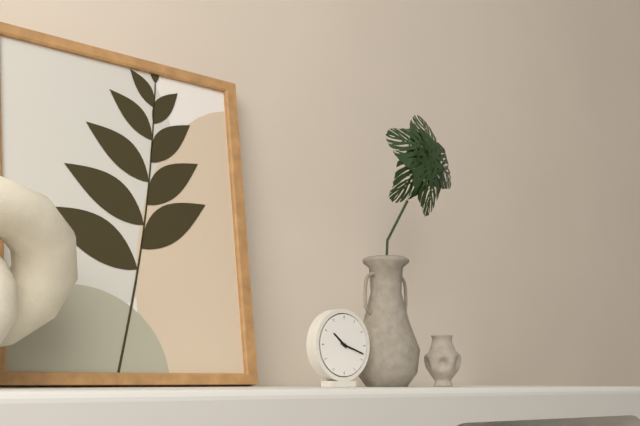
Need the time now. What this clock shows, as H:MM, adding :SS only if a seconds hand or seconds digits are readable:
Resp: 10:18
